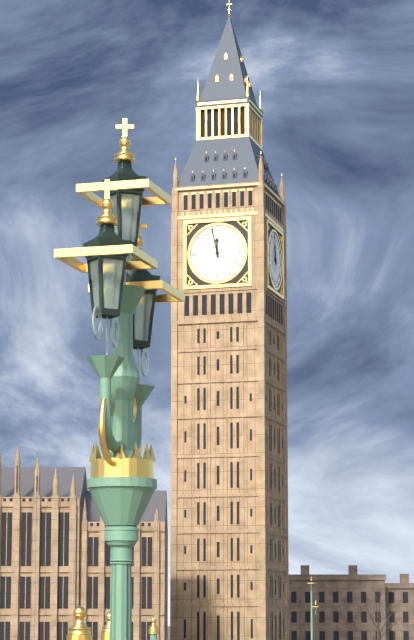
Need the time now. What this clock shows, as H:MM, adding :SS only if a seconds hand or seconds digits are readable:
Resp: 11:58
